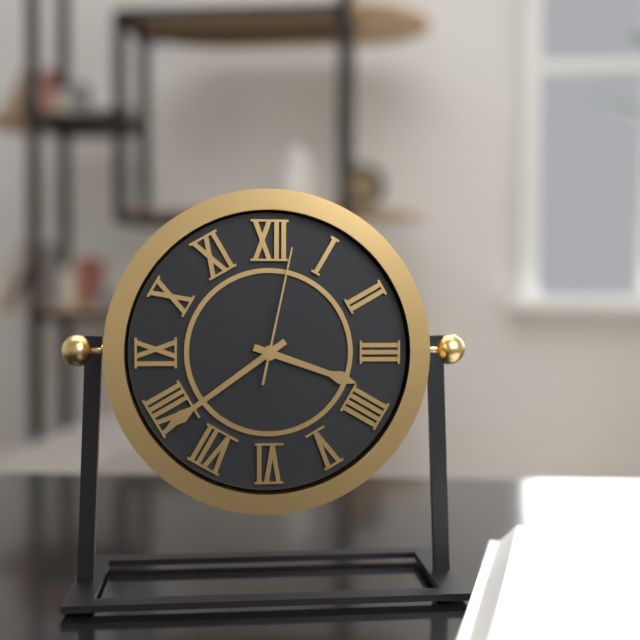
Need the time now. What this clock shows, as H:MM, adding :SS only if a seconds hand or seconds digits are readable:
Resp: 3:39:02
